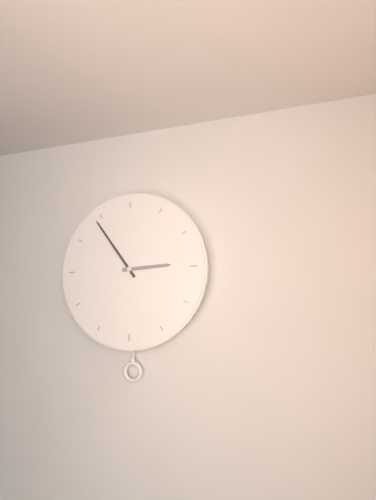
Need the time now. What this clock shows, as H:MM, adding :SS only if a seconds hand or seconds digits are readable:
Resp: 2:54
